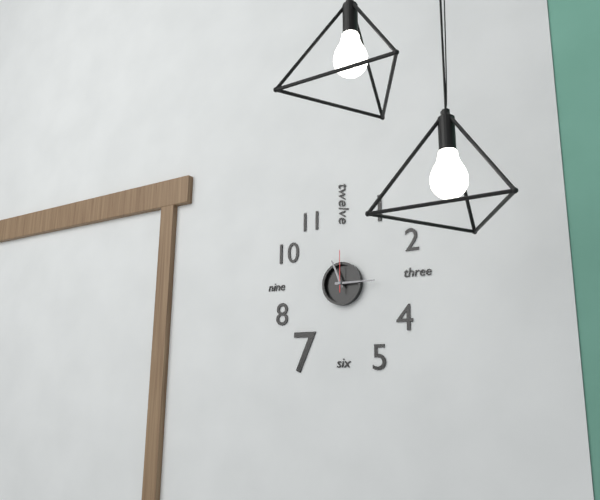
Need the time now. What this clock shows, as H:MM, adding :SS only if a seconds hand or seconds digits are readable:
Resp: 11:15
